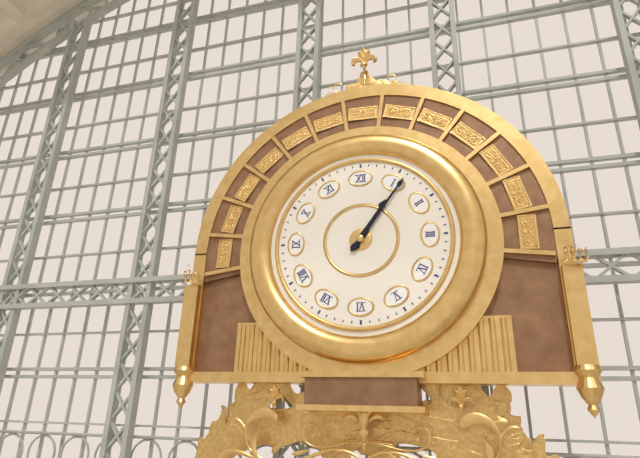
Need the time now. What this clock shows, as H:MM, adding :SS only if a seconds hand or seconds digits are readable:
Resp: 1:06
